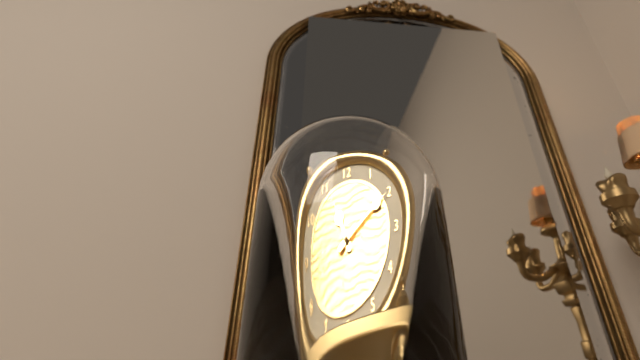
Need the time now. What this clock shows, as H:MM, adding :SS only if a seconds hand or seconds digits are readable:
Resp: 11:10
